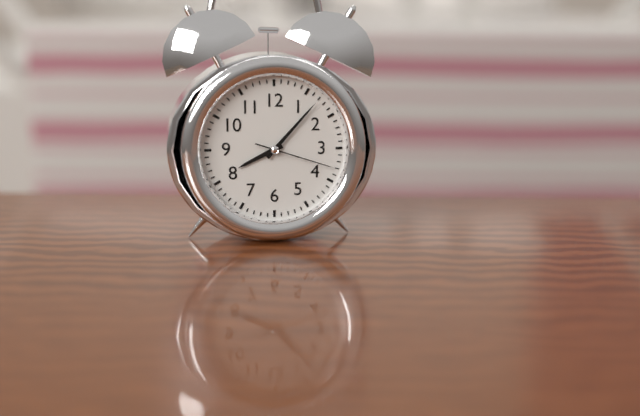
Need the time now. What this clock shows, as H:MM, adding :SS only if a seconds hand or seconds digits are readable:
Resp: 8:07:18
